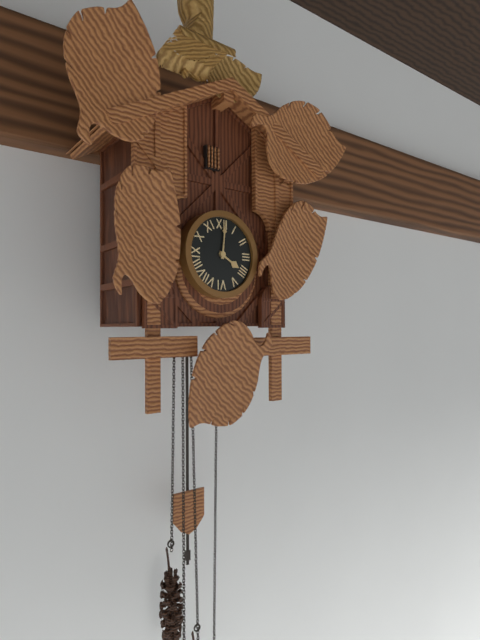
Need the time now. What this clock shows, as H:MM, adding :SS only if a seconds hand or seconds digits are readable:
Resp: 4:01
